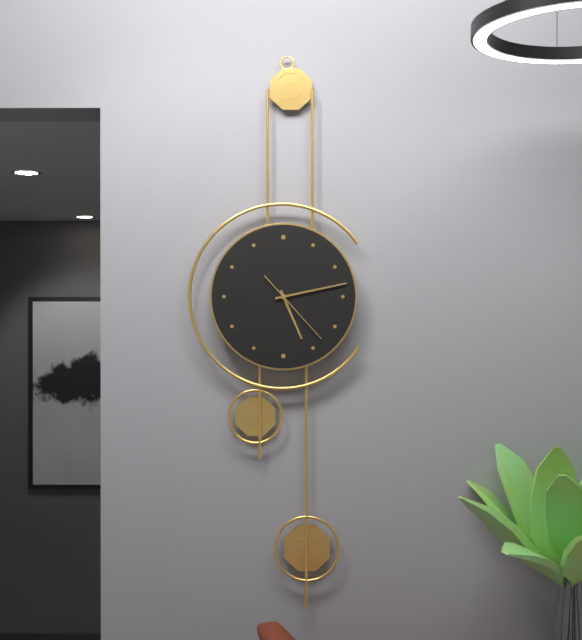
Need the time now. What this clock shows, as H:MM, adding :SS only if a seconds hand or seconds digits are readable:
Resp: 5:13:23
